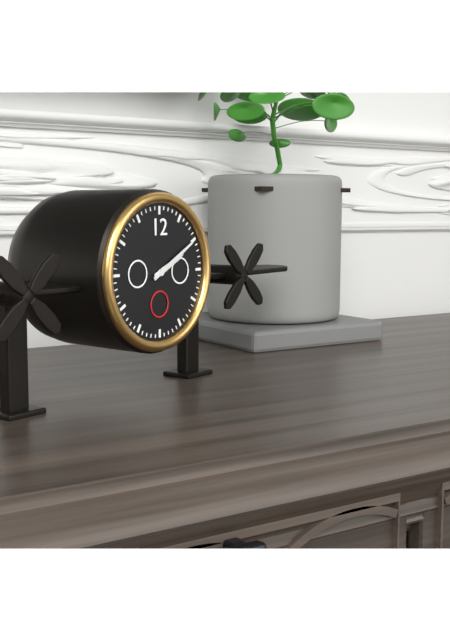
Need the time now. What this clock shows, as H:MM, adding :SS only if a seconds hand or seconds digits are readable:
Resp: 2:10
